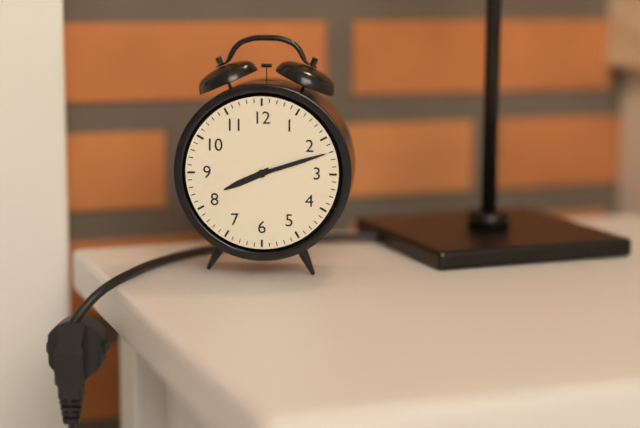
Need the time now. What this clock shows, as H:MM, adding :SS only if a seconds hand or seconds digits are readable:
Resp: 8:12
